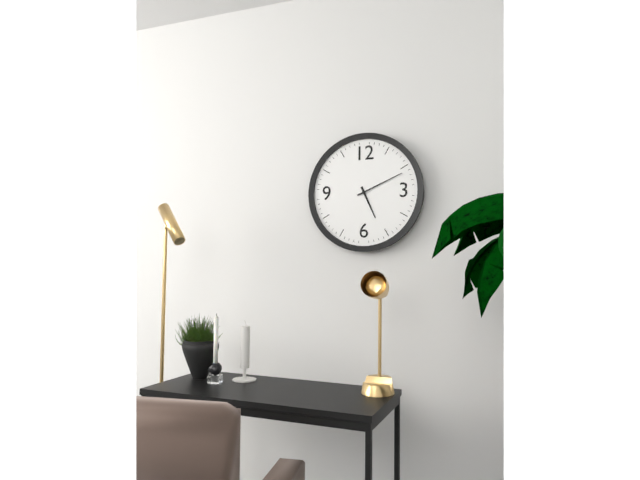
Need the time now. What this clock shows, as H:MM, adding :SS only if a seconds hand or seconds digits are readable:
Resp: 5:11
